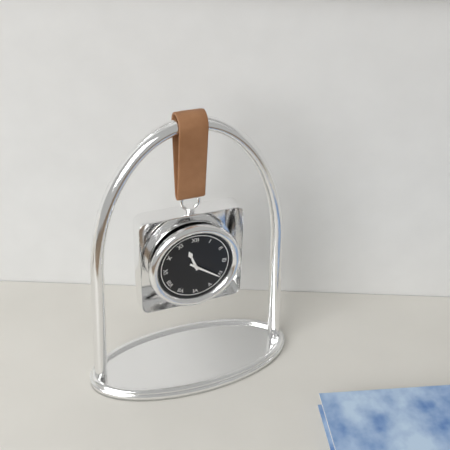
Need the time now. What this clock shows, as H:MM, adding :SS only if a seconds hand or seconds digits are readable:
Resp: 11:21
